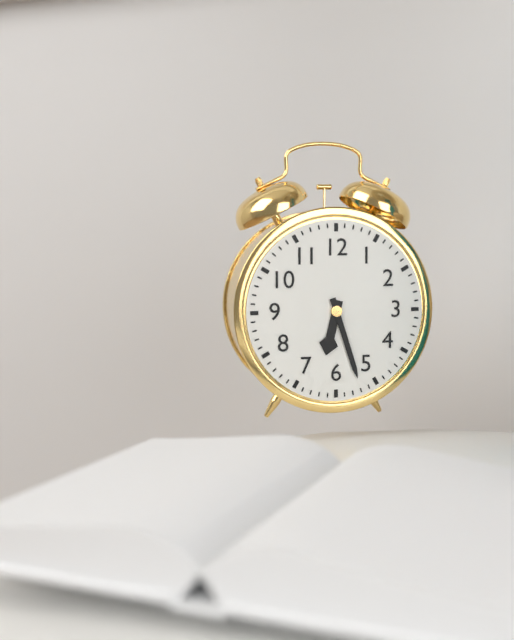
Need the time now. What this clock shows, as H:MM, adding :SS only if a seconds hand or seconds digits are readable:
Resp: 6:27
